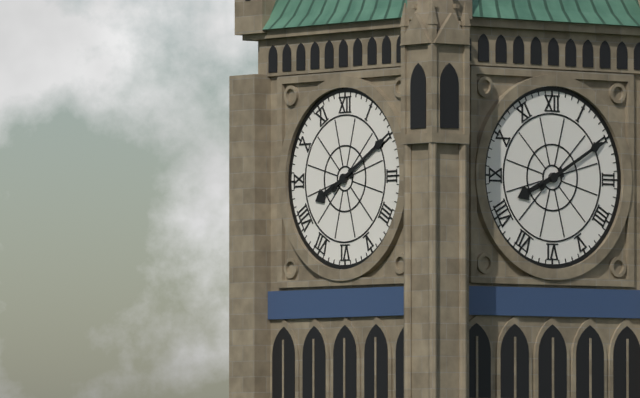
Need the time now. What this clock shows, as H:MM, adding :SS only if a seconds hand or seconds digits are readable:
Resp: 8:10
